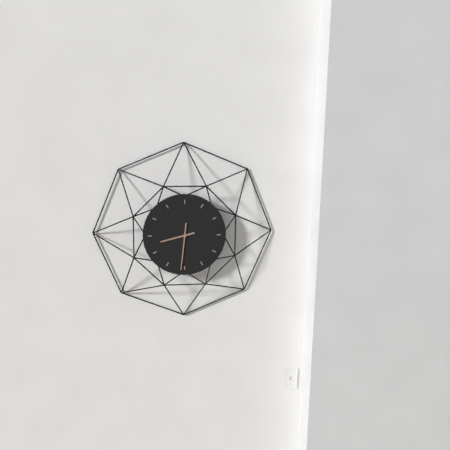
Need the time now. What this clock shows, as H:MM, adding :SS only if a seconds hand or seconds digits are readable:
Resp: 8:31
